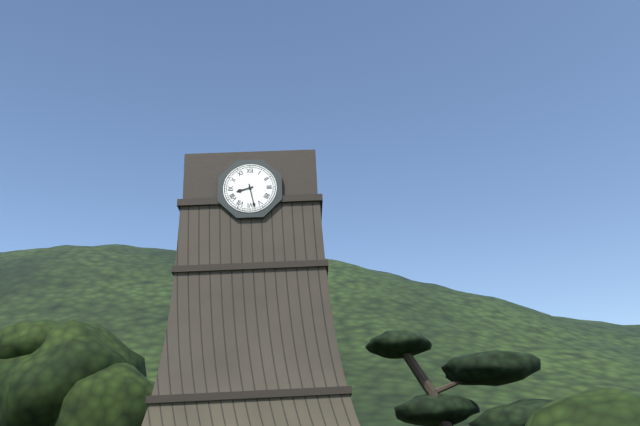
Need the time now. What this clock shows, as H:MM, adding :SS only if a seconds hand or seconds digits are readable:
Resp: 8:28
